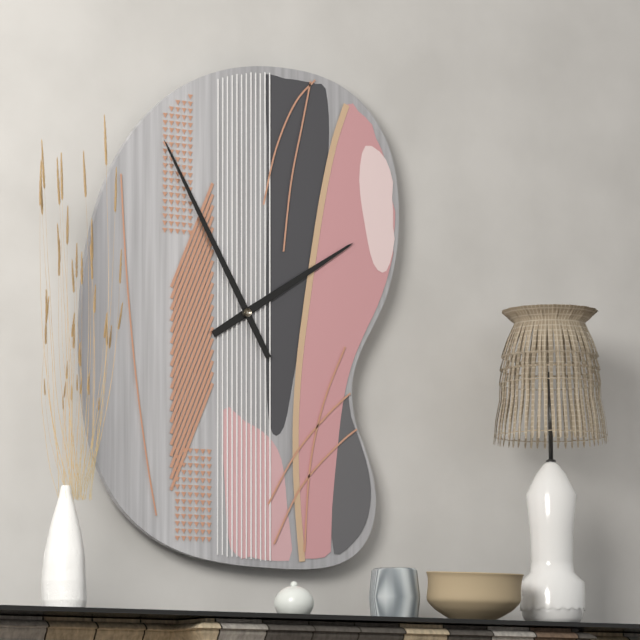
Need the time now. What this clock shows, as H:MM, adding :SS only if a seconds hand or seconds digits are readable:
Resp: 1:55
